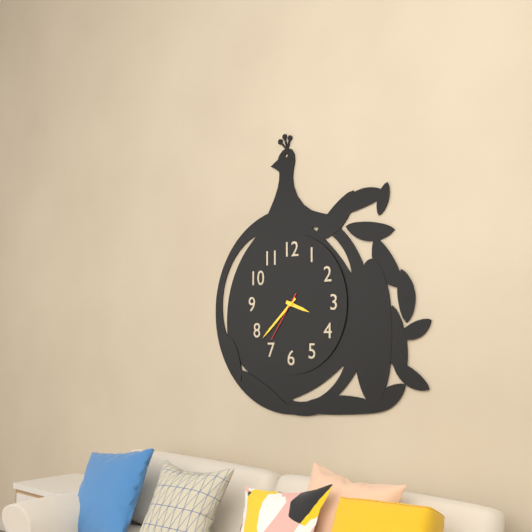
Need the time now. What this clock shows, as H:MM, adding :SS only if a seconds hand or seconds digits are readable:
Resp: 3:38:36
